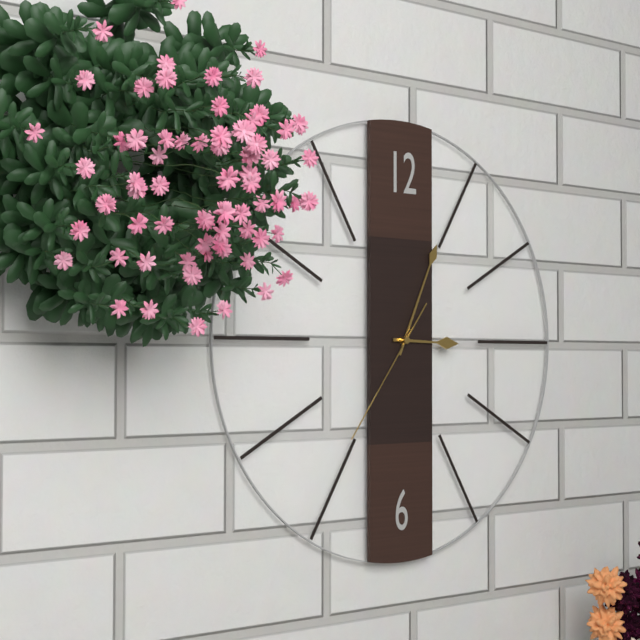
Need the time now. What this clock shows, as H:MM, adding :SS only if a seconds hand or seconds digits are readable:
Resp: 3:04:36
